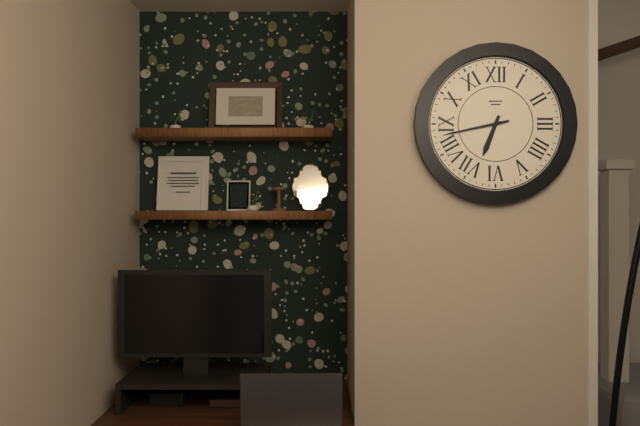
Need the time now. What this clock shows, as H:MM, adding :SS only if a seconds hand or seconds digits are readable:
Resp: 6:43
